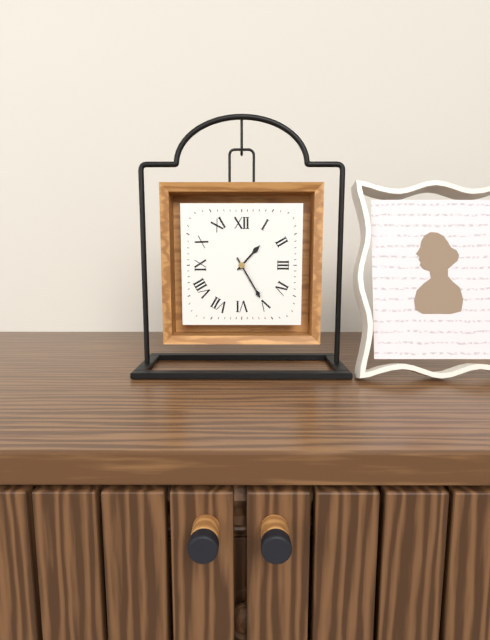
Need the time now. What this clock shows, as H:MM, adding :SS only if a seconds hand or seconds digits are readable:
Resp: 1:25
